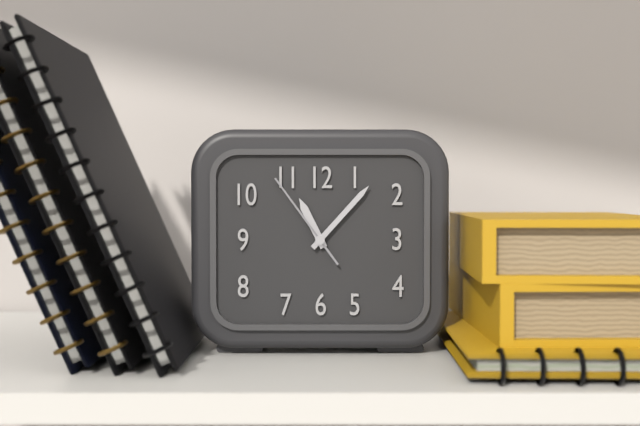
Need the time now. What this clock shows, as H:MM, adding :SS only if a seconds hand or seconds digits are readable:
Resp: 11:07:54
